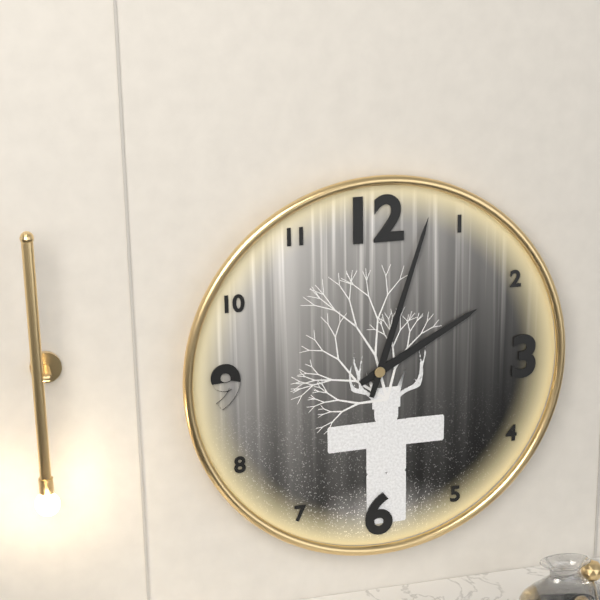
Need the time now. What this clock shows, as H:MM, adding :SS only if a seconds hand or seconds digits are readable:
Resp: 2:03
